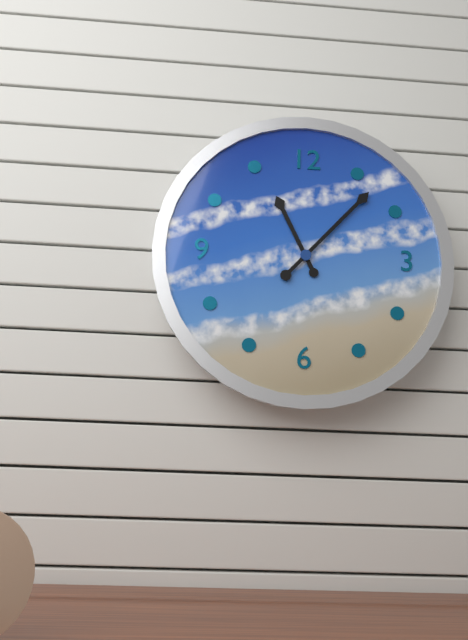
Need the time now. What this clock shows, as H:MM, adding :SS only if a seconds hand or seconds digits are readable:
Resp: 11:07
